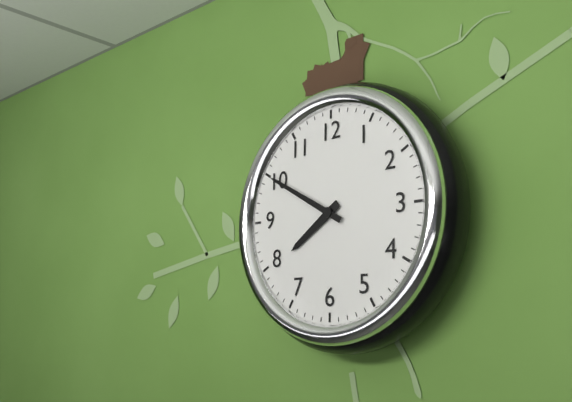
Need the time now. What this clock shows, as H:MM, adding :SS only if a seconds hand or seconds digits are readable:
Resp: 7:50
